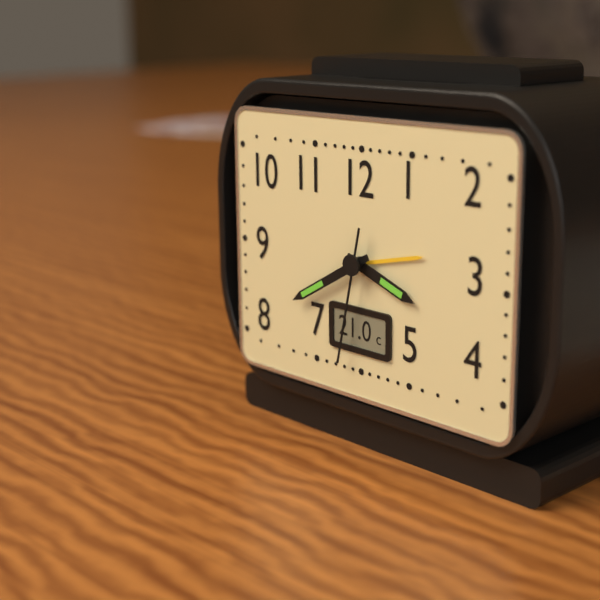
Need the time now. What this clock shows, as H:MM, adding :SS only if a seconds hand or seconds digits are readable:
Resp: 3:40:32
